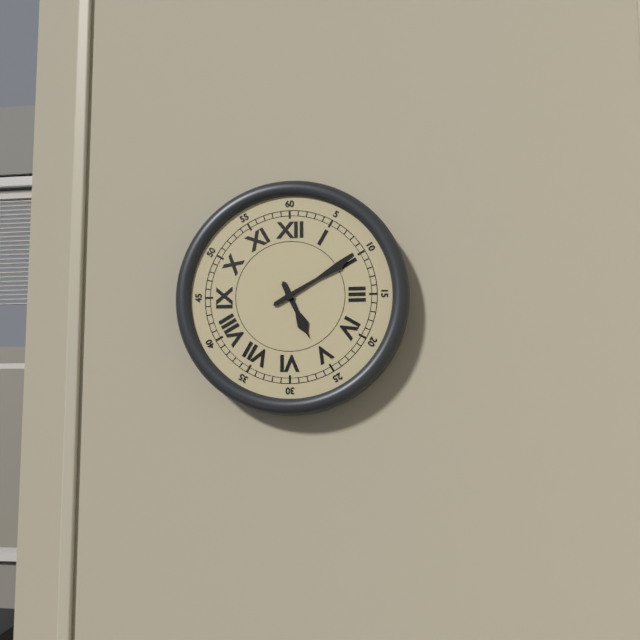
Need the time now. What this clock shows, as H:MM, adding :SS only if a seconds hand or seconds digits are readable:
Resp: 5:10
